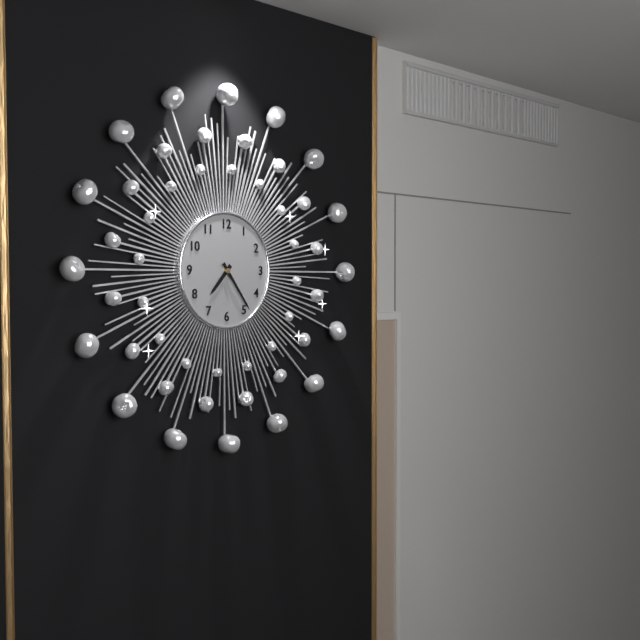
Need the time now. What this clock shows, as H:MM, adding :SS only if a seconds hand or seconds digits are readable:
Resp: 7:24
